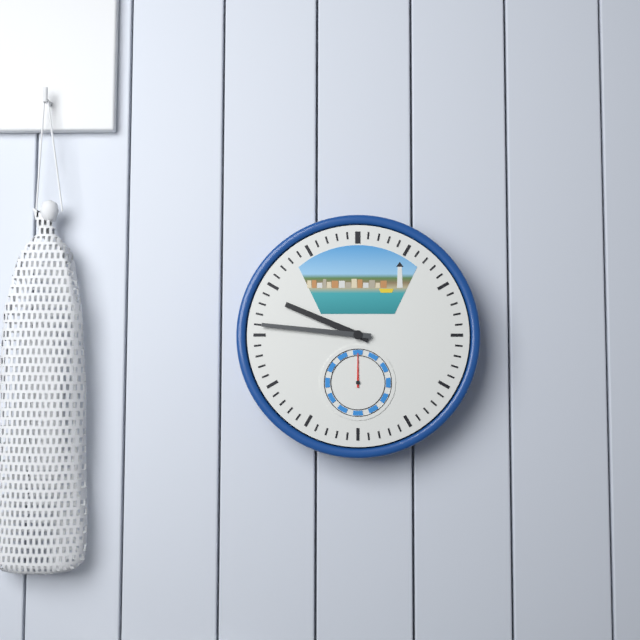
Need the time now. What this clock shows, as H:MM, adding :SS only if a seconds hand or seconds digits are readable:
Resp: 9:46
